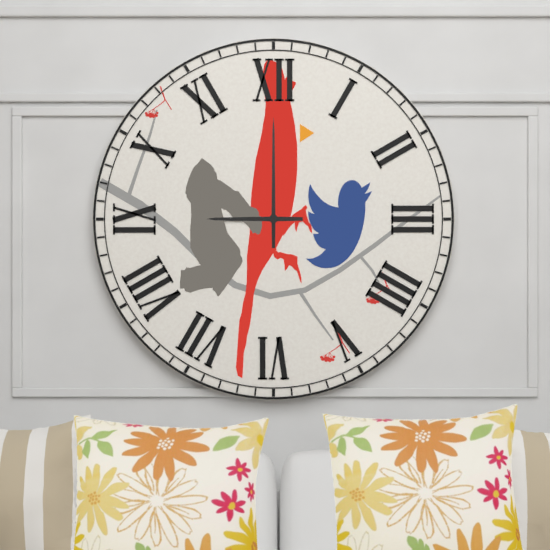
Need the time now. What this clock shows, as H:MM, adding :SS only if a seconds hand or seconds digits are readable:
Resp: 9:00
